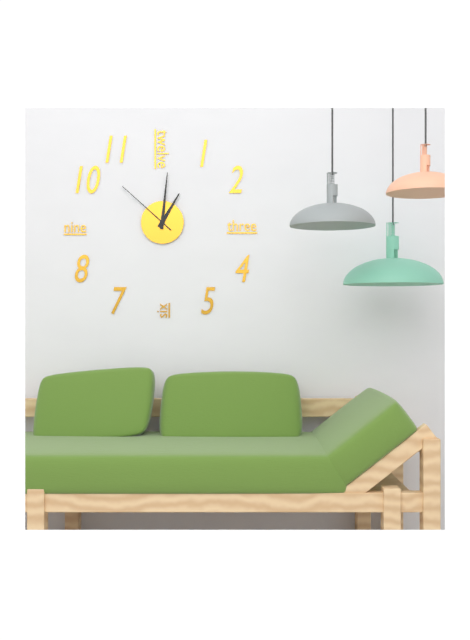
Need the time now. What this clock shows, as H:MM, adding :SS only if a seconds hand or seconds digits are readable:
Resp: 1:01:52
